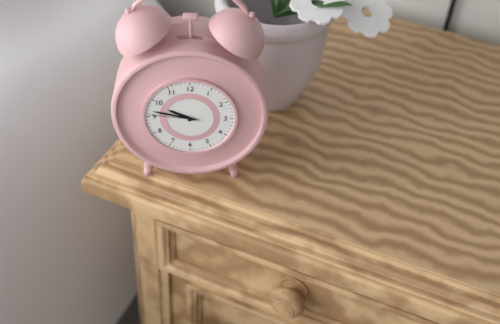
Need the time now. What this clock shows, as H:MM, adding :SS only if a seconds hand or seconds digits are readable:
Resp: 9:47:46
